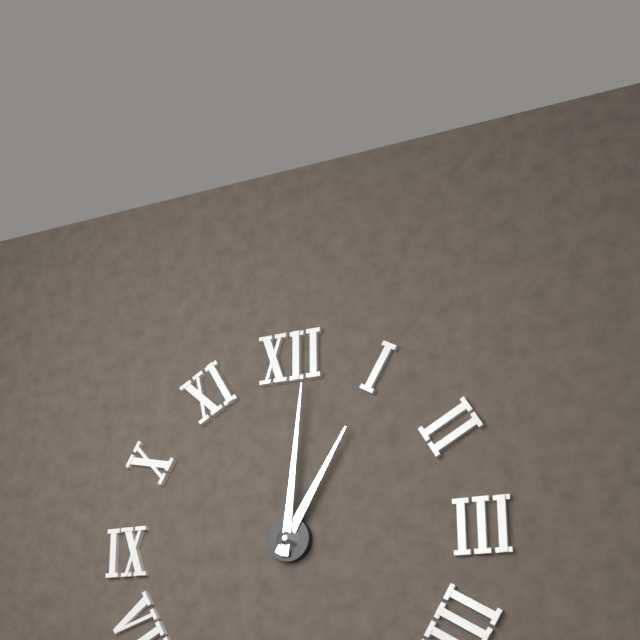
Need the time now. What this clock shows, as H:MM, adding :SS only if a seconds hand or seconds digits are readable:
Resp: 1:01
